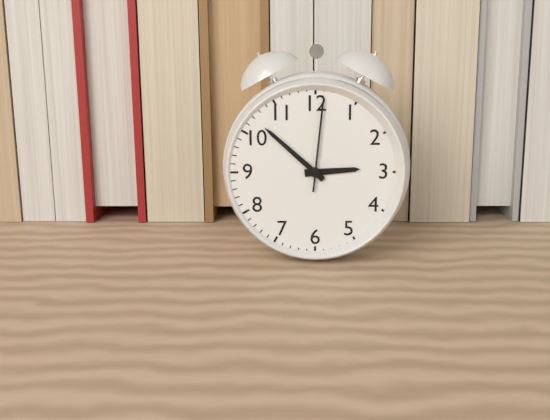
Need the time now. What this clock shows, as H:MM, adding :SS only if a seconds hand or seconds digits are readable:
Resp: 2:52:01
